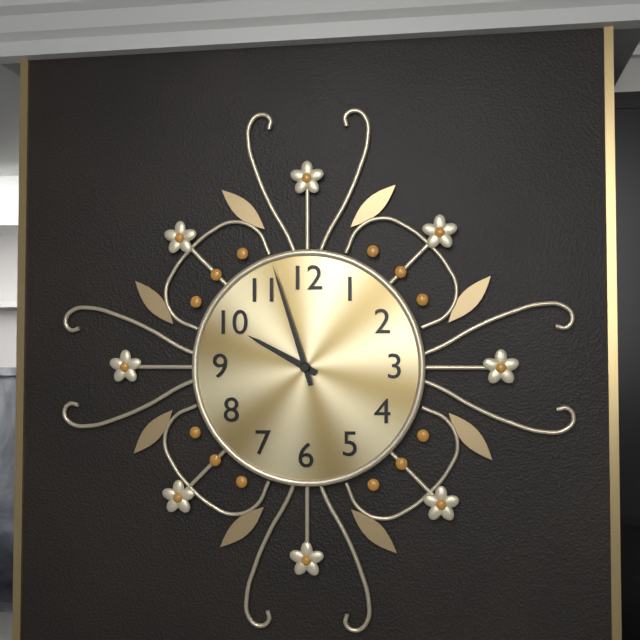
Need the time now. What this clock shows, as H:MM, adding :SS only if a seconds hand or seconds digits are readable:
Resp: 9:57
